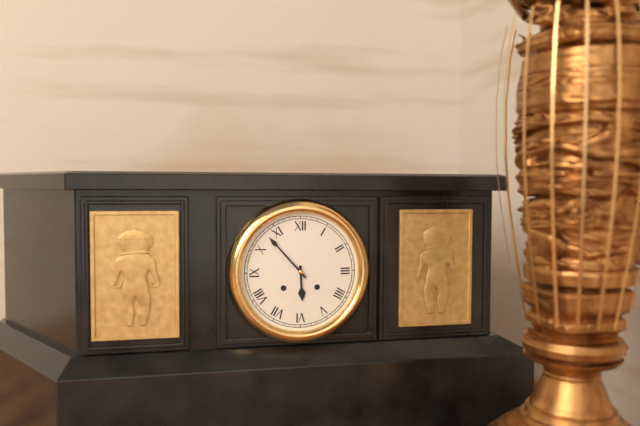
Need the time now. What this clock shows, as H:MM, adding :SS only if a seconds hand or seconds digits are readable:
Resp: 5:53
